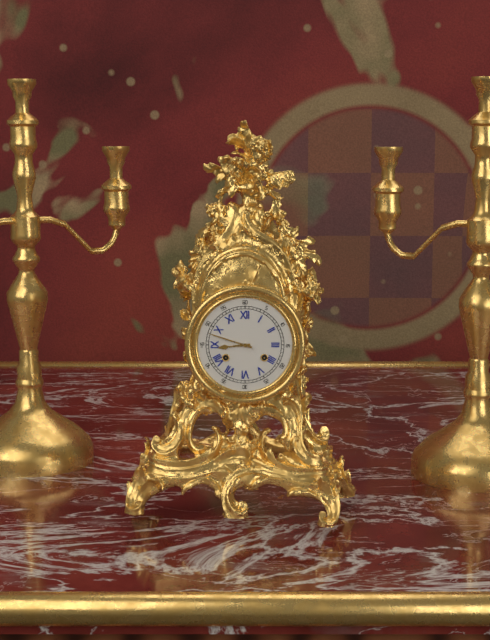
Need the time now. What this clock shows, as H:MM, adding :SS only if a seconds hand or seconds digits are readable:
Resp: 8:48
